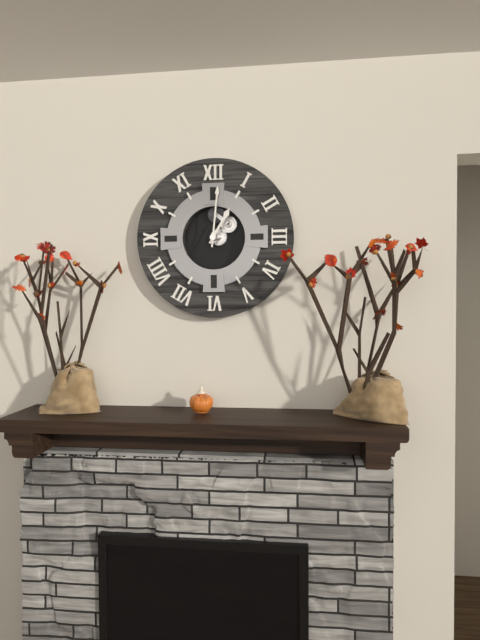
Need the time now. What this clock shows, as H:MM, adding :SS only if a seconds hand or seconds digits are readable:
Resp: 1:01
